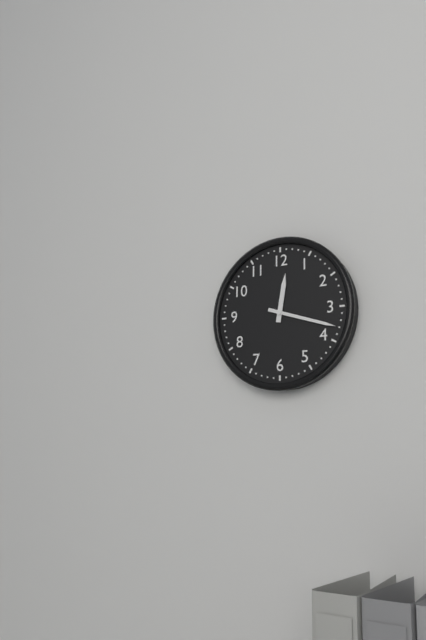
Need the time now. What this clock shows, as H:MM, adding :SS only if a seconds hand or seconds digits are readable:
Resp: 12:18
